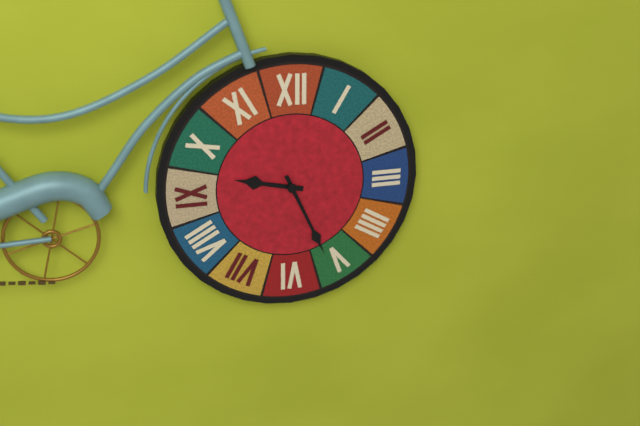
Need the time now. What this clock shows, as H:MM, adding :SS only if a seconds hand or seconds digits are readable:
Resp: 9:26
